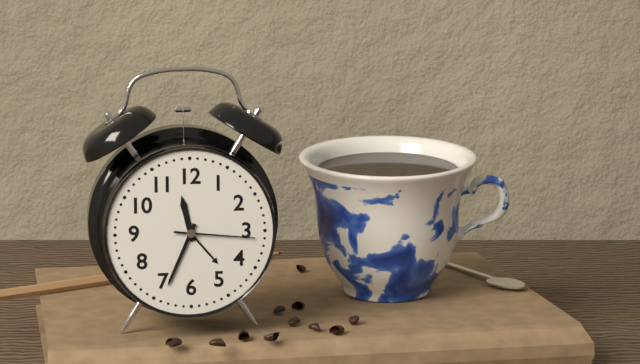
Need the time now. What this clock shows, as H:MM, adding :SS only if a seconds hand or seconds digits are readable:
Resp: 11:34:16
